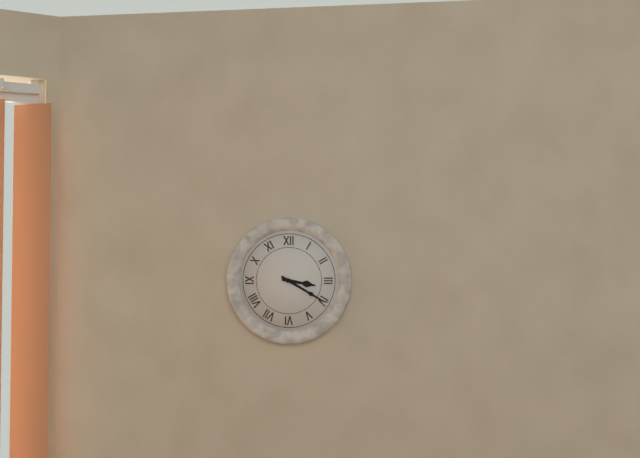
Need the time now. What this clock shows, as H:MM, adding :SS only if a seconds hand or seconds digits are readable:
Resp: 3:20
